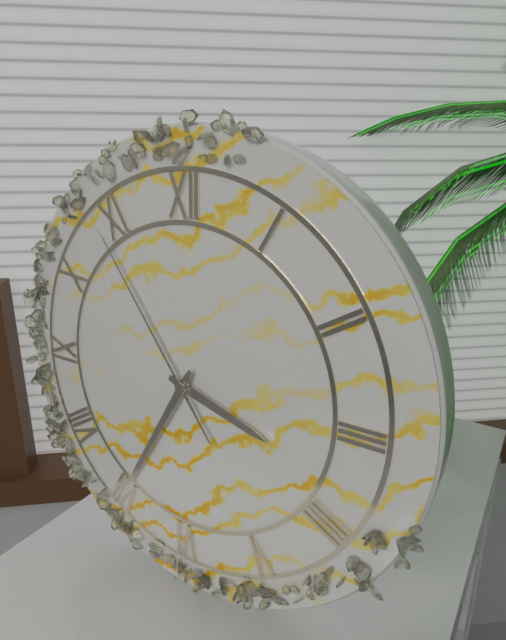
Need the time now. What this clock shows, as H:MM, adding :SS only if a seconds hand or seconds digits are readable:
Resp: 3:35:54
